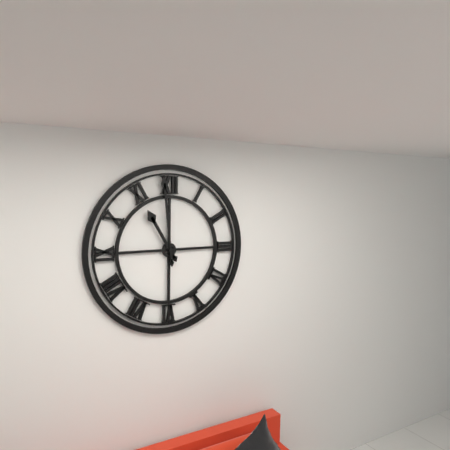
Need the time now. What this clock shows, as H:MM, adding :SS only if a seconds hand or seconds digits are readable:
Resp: 10:59
